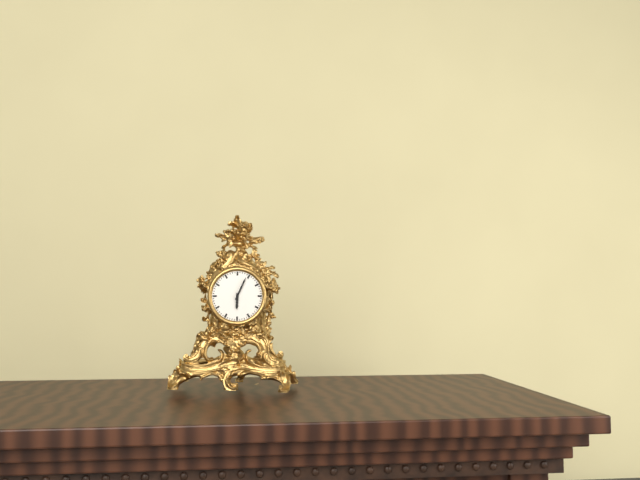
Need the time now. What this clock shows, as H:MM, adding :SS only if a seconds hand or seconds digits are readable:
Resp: 6:04
